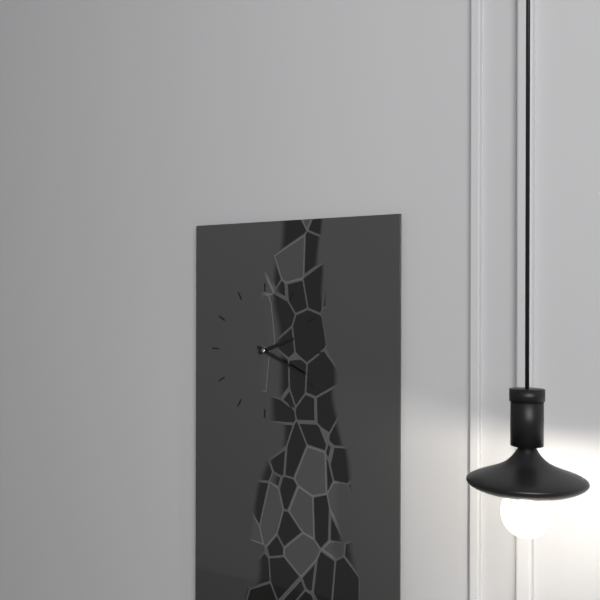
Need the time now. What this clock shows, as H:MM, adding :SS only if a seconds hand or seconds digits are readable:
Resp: 2:19
